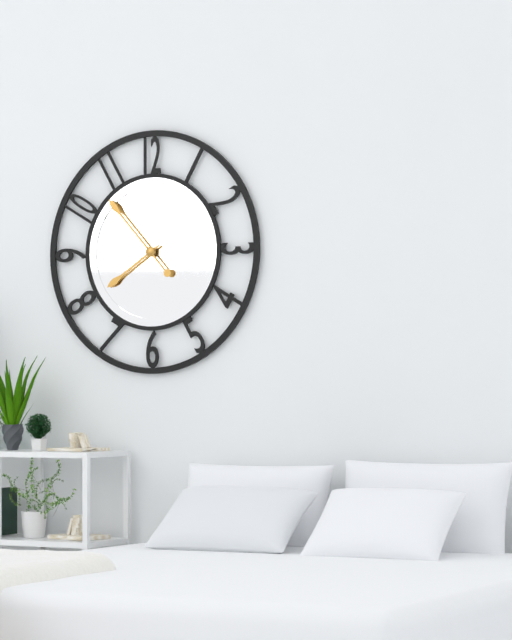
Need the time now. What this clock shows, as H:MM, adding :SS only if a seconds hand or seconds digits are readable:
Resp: 7:53
